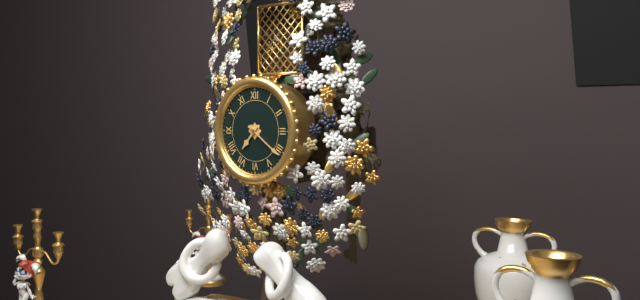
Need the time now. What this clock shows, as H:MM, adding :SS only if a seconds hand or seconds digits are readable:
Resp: 7:21
